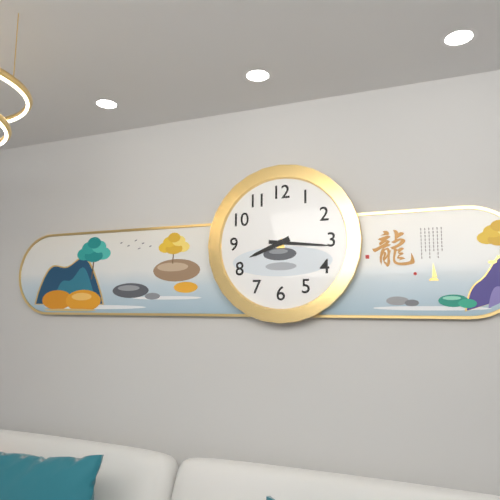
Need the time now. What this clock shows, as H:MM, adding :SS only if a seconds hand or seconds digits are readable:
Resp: 8:16
